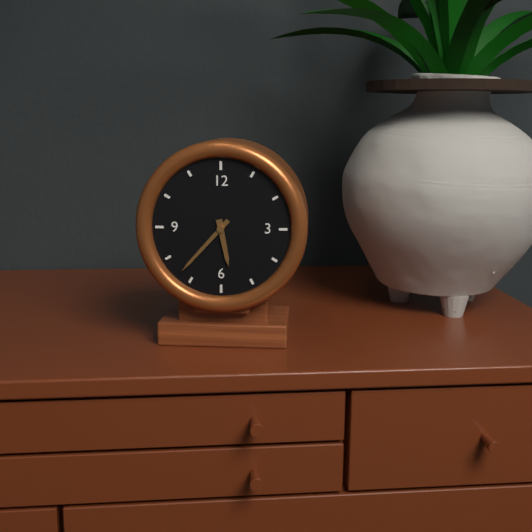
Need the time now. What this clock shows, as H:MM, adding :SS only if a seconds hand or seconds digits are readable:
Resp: 5:37
